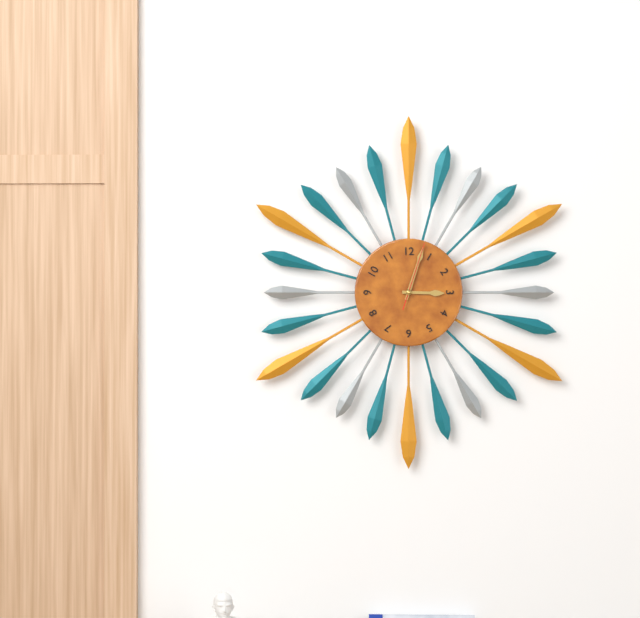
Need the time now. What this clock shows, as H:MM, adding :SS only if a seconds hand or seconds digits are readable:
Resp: 3:03:03
